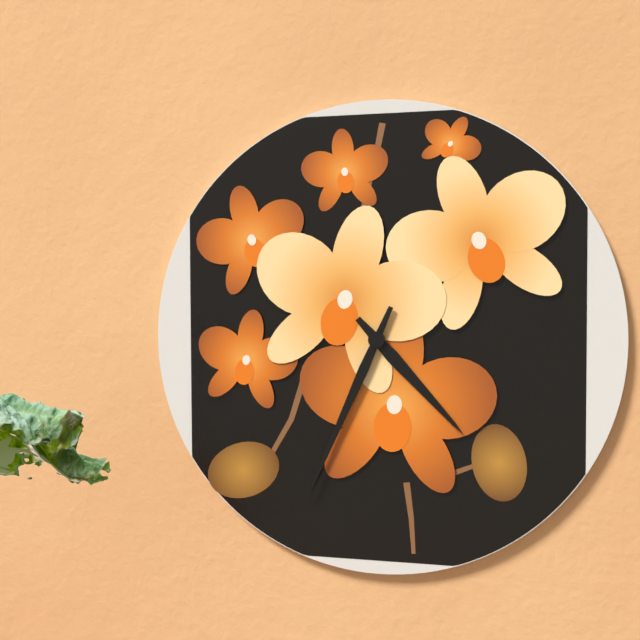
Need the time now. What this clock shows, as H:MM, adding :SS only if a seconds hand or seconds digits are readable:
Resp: 4:34
